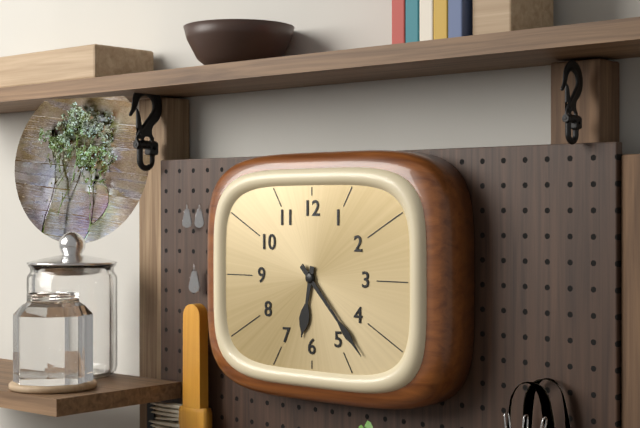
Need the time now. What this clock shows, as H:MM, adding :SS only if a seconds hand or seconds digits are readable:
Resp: 6:23
